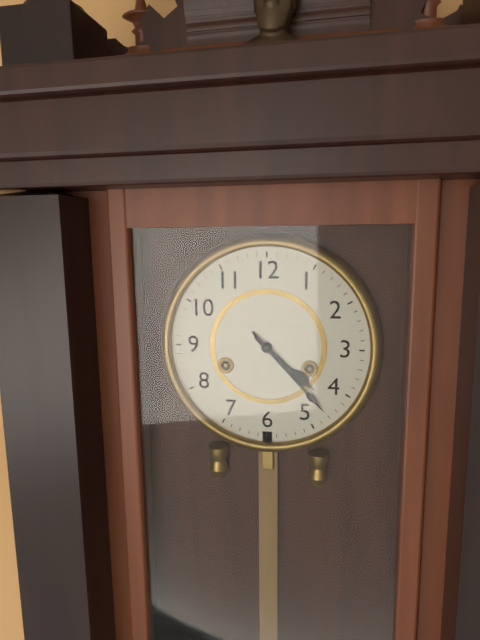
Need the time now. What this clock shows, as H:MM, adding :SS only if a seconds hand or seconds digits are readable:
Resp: 4:23
